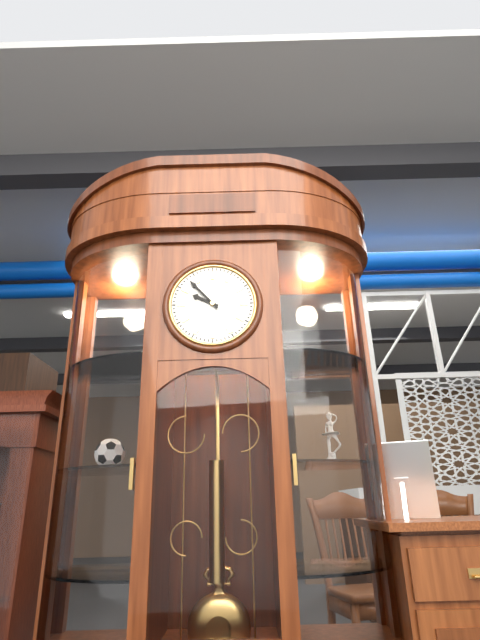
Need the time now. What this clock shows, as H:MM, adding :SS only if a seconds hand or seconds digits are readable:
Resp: 9:53
